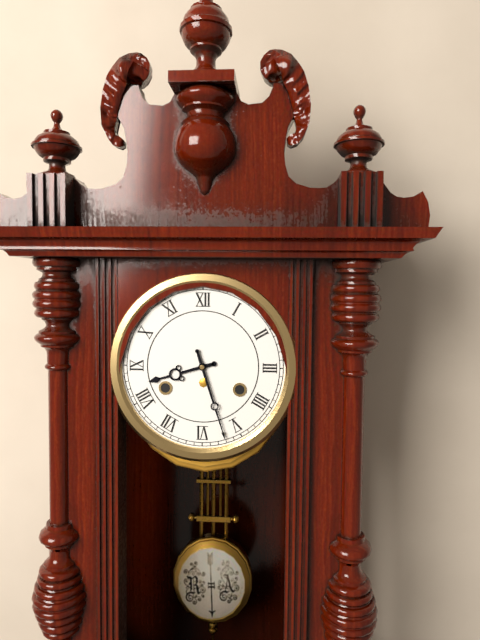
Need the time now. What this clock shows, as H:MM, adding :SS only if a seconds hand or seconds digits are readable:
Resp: 8:27
